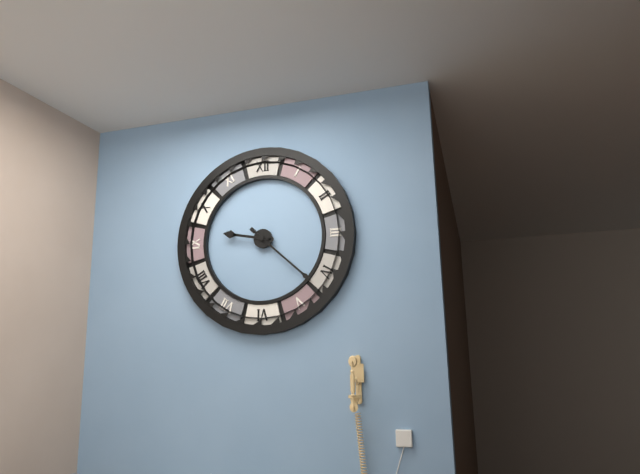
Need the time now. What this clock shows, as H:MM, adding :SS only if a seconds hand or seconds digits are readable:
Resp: 9:22
